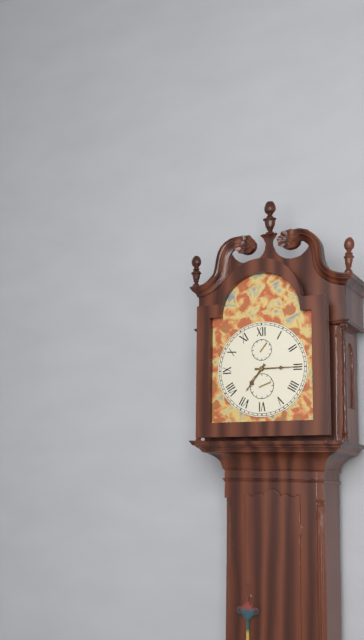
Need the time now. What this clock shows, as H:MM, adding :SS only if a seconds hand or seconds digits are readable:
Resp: 7:15
